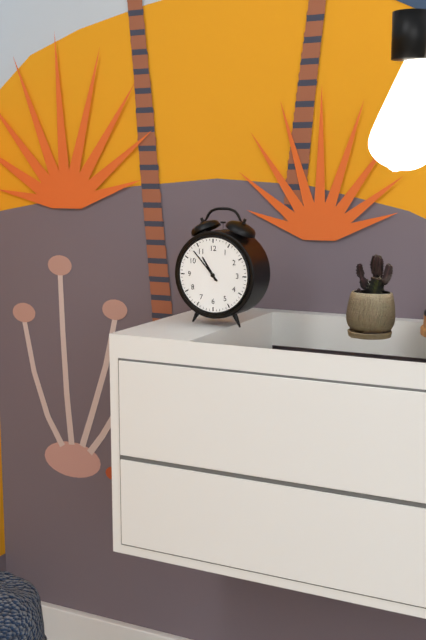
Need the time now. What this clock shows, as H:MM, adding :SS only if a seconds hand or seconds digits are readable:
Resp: 10:53
